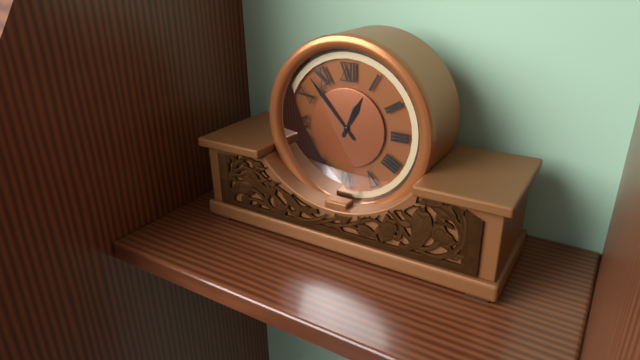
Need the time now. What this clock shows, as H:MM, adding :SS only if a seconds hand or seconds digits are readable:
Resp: 12:53
